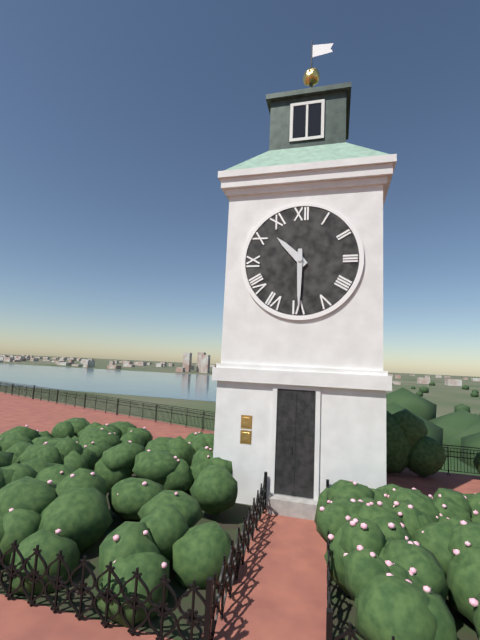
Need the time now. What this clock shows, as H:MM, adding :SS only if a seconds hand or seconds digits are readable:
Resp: 10:30
